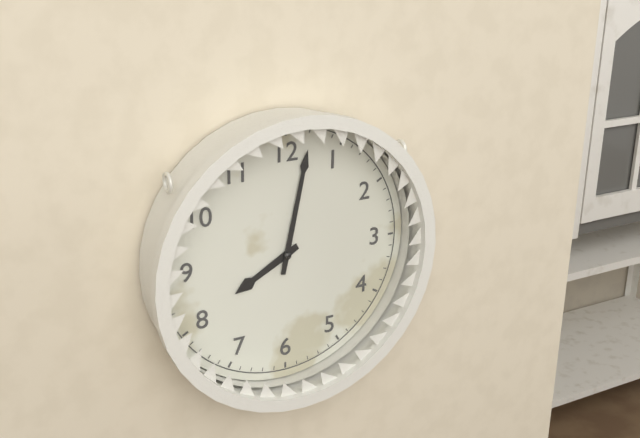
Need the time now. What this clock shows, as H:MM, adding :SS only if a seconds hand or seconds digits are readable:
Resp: 8:02
